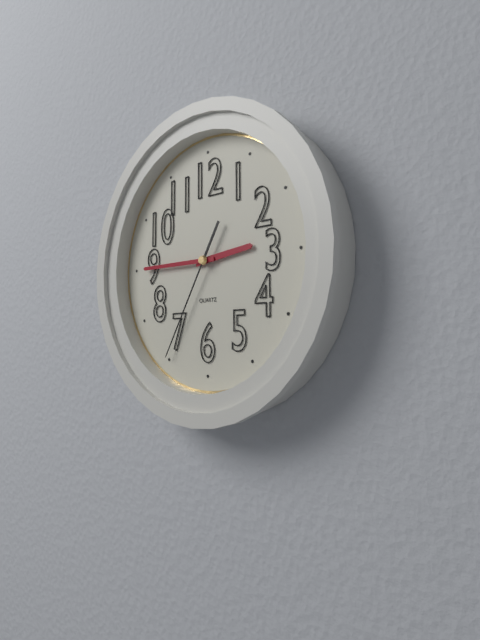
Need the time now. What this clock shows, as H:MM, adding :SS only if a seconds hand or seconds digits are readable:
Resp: 2:45:35
